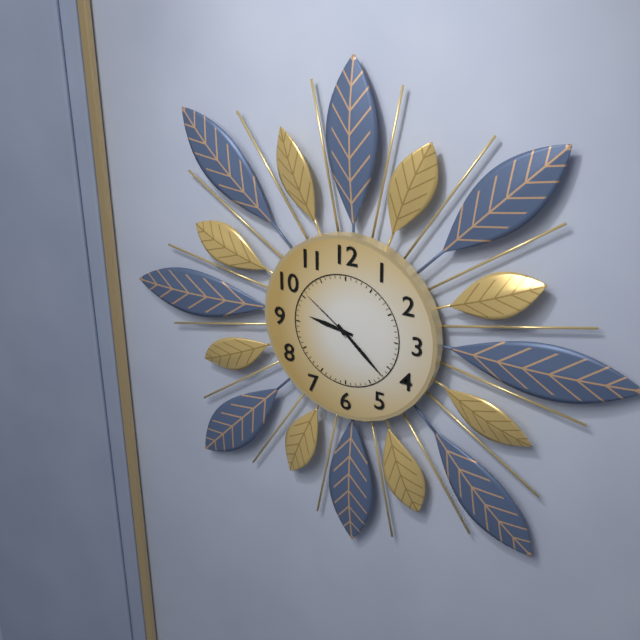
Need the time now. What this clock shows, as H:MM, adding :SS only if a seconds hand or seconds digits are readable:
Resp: 9:22:51
